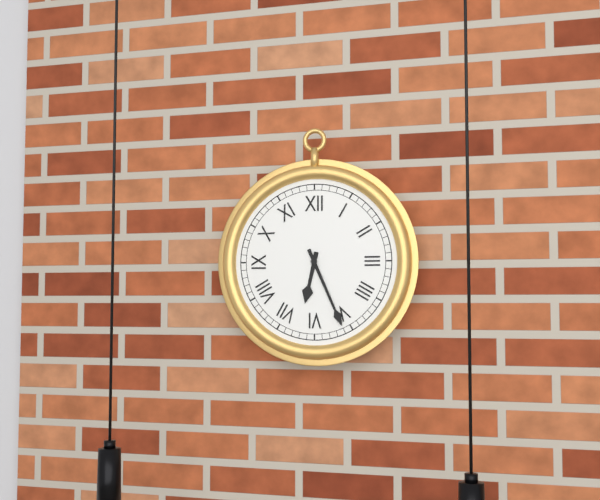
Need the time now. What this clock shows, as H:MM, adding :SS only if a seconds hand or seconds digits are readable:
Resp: 6:26
